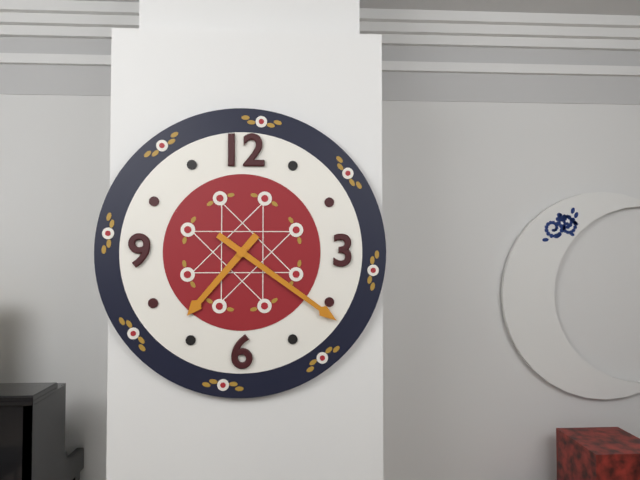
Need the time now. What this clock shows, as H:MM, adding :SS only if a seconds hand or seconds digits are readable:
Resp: 7:21
